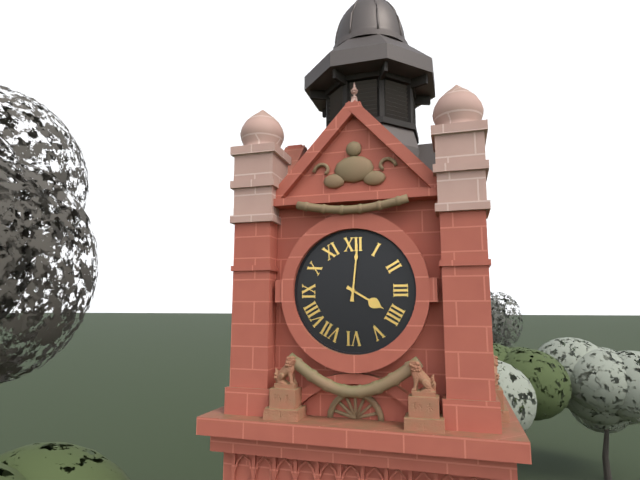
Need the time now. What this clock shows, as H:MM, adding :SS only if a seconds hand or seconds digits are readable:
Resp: 4:01
